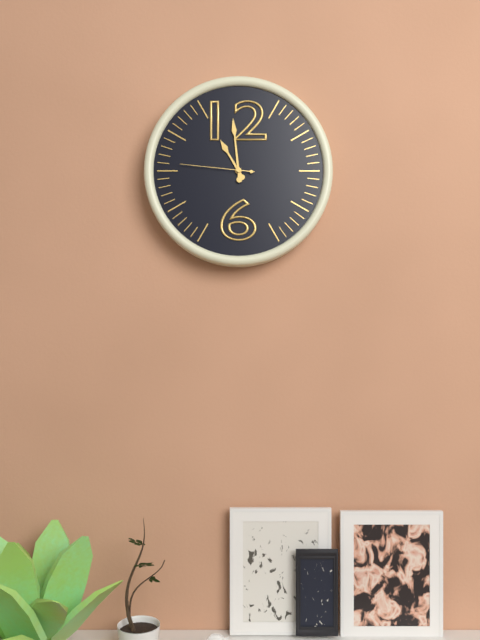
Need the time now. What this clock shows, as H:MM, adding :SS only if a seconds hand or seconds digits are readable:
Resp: 10:59:46
